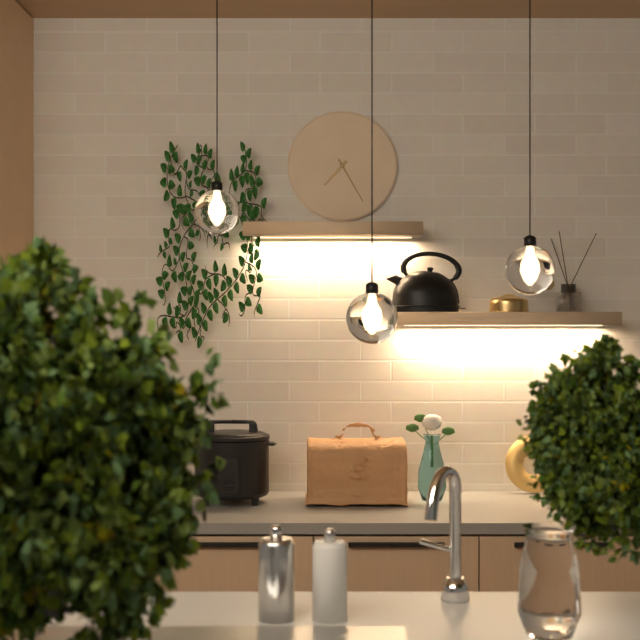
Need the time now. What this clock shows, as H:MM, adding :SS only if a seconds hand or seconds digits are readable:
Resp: 7:25
